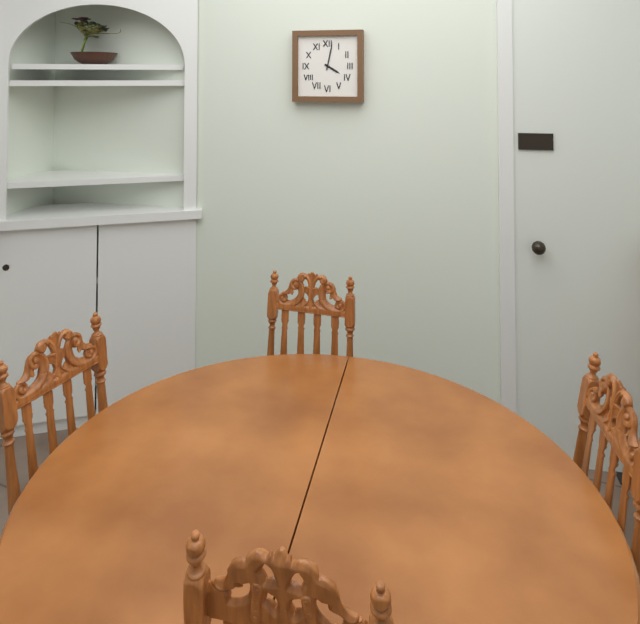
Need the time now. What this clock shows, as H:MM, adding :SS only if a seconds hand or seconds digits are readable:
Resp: 4:02
